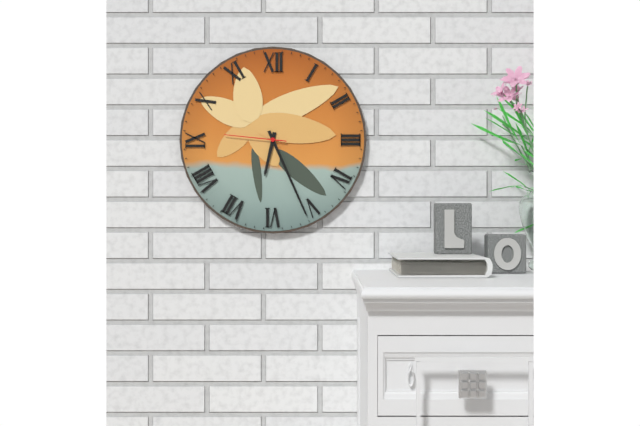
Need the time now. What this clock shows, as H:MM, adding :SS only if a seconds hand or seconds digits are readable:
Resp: 6:26:46
